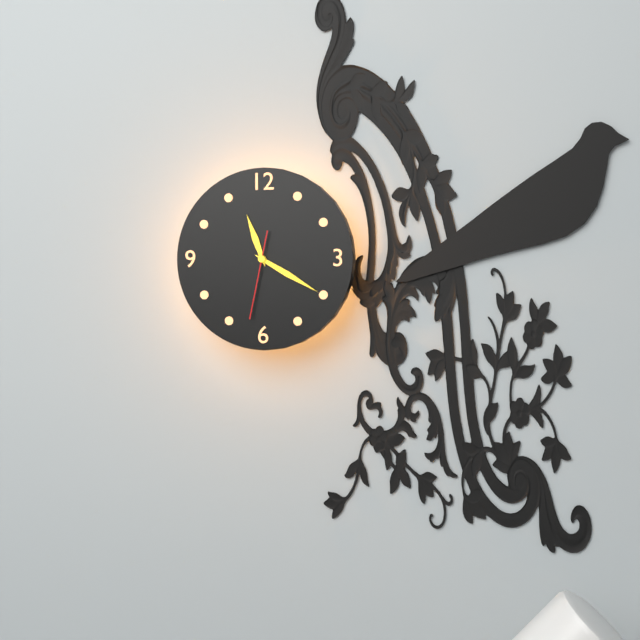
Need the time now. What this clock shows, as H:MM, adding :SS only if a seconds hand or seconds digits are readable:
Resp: 11:20:32
